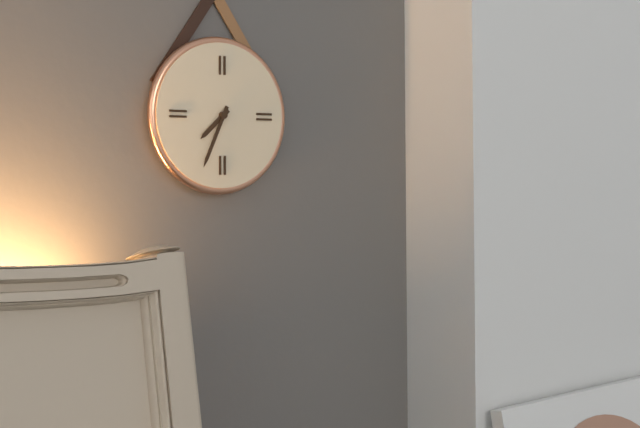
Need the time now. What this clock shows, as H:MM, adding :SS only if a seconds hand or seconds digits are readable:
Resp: 7:34
